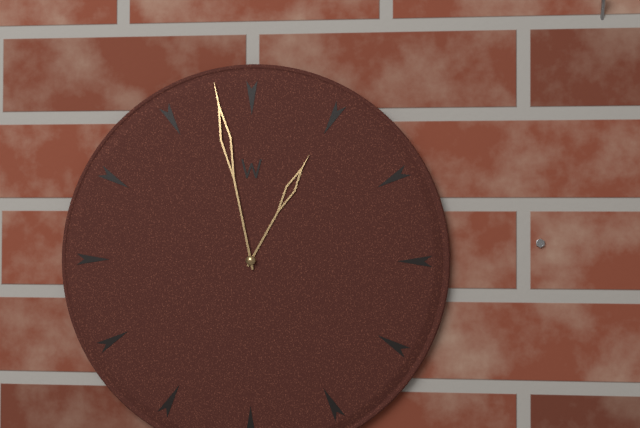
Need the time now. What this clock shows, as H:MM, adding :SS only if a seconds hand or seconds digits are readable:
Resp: 12:58
